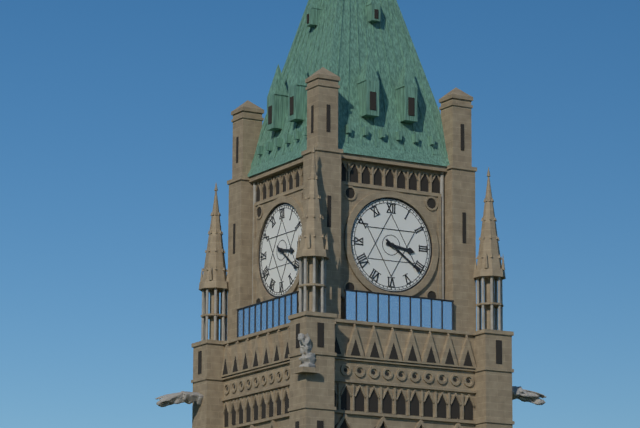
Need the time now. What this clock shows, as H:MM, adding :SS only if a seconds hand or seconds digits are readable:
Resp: 3:21
